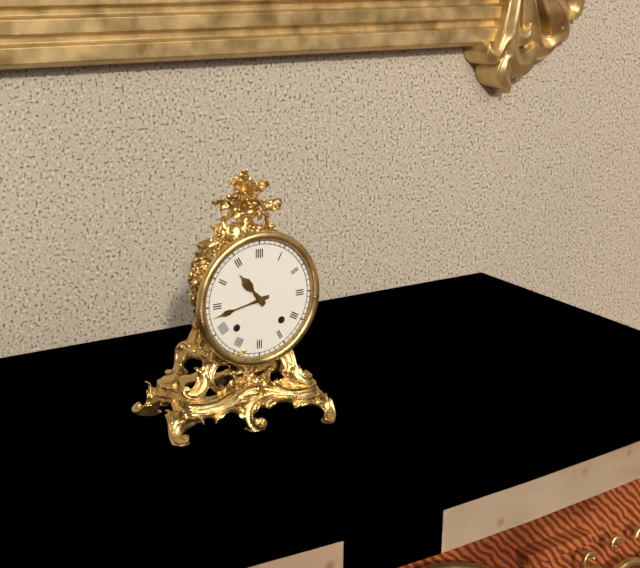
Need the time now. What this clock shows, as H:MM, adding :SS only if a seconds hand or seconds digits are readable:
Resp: 10:43
